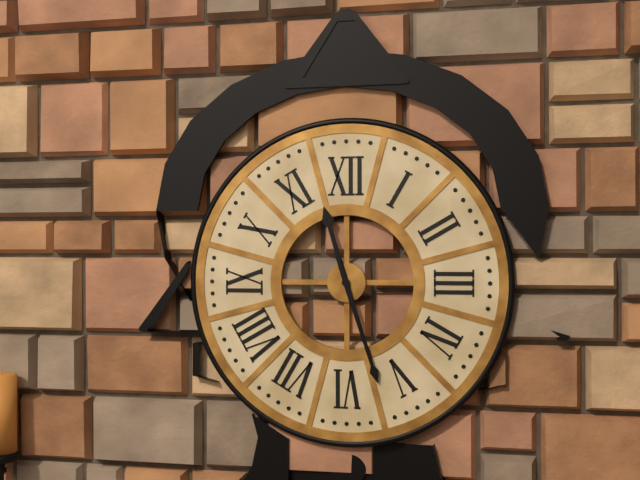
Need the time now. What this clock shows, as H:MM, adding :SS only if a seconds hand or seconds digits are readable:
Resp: 11:27
